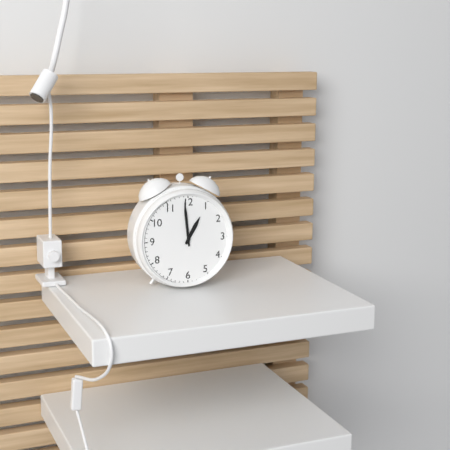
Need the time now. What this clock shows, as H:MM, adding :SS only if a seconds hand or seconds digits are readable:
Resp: 12:59
